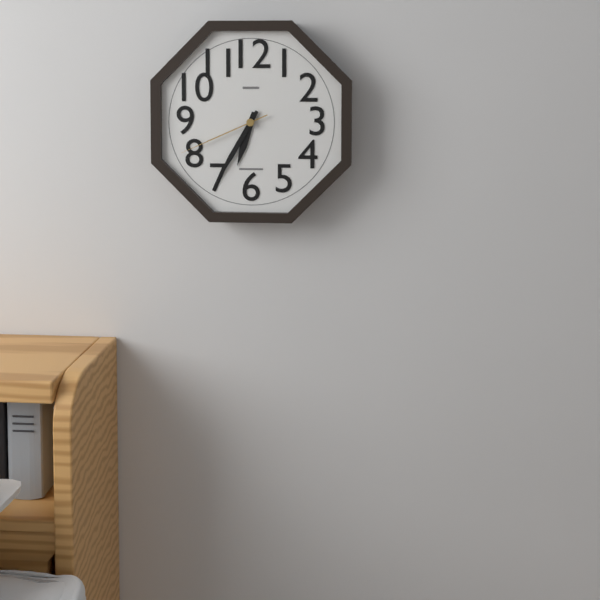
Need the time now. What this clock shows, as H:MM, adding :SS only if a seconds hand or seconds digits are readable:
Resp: 6:35:41
